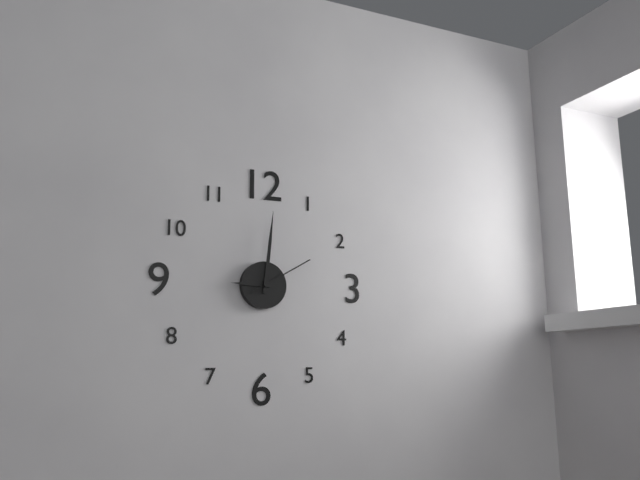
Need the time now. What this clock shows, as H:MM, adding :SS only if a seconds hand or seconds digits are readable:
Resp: 9:01:10
